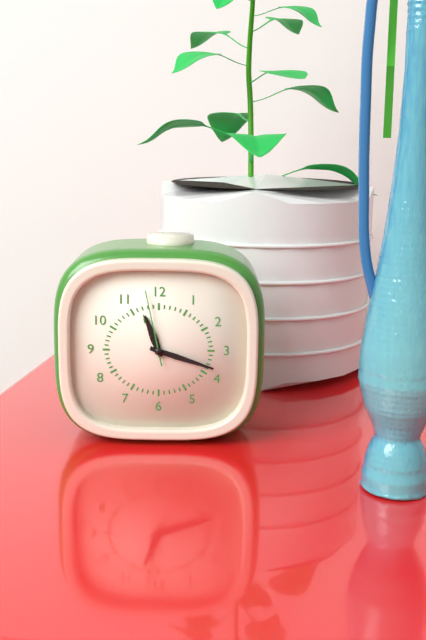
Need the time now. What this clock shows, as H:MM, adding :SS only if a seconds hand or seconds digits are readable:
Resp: 11:18:58
